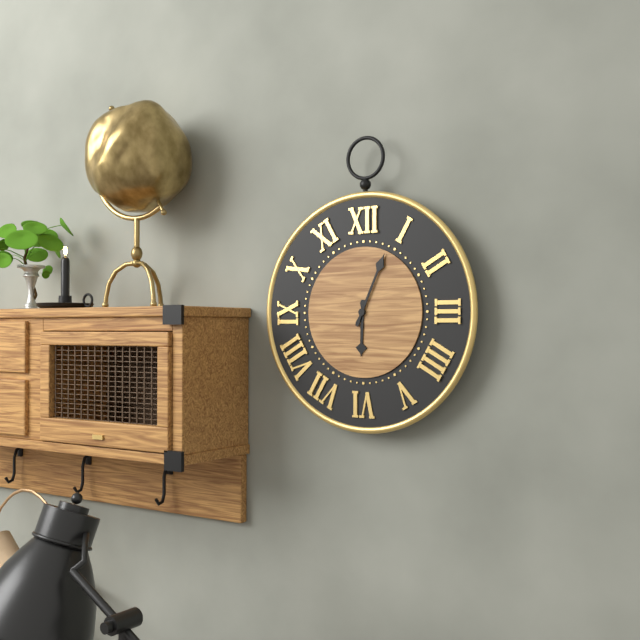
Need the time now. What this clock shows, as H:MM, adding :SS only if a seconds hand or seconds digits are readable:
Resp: 6:04
